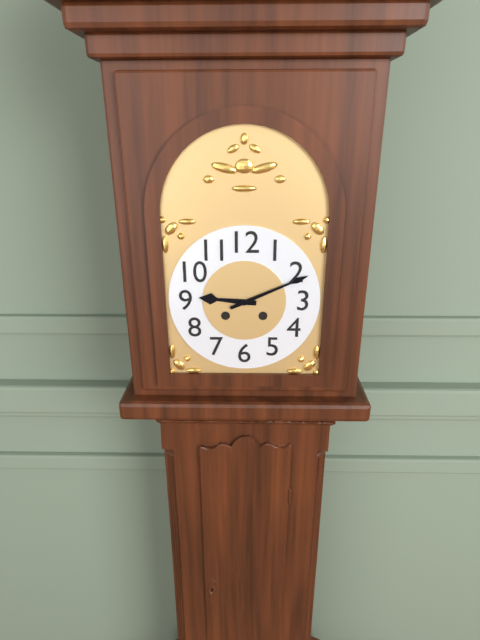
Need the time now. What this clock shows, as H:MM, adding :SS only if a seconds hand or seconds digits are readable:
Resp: 9:11
